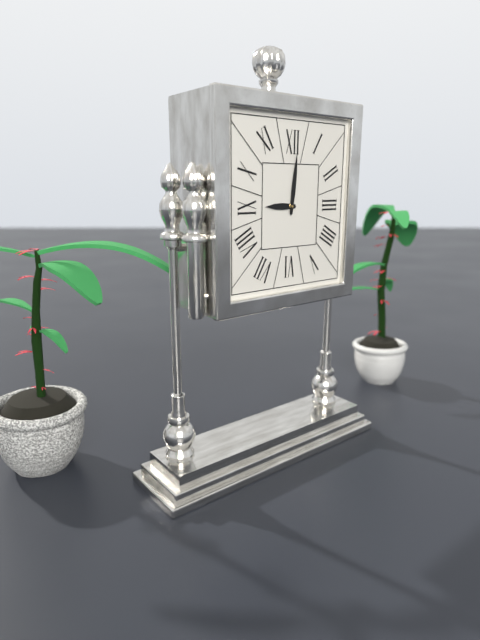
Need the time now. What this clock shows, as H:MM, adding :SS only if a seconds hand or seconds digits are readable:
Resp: 9:01
